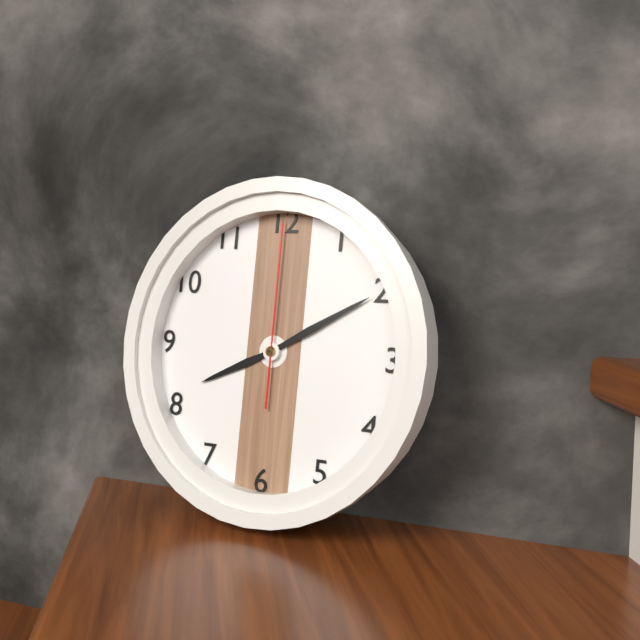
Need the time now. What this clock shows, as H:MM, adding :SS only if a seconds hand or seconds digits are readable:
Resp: 8:10:00
